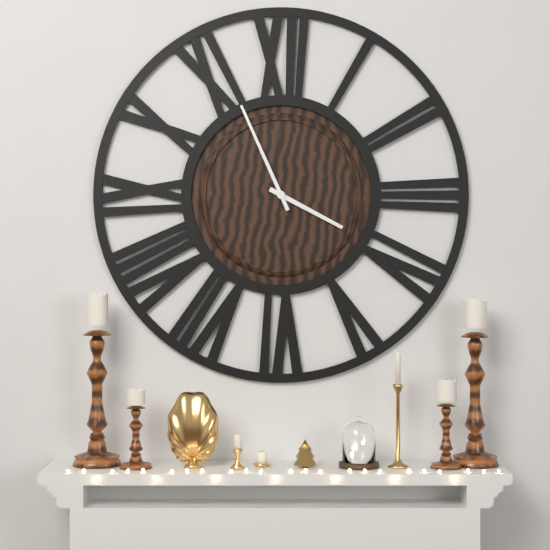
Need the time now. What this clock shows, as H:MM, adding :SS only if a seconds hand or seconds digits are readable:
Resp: 3:56
